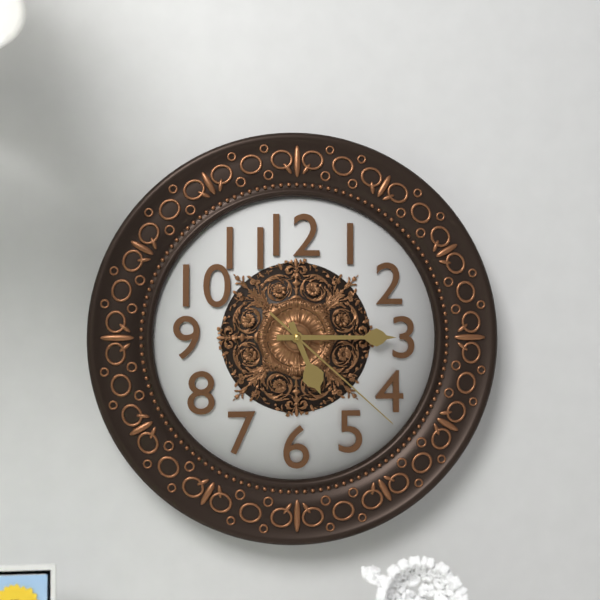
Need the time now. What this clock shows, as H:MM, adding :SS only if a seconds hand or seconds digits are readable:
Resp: 5:15:22
